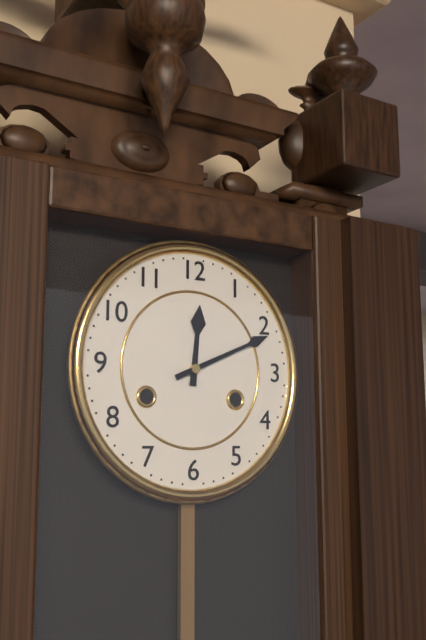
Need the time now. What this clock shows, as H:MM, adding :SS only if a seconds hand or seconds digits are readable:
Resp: 12:11
